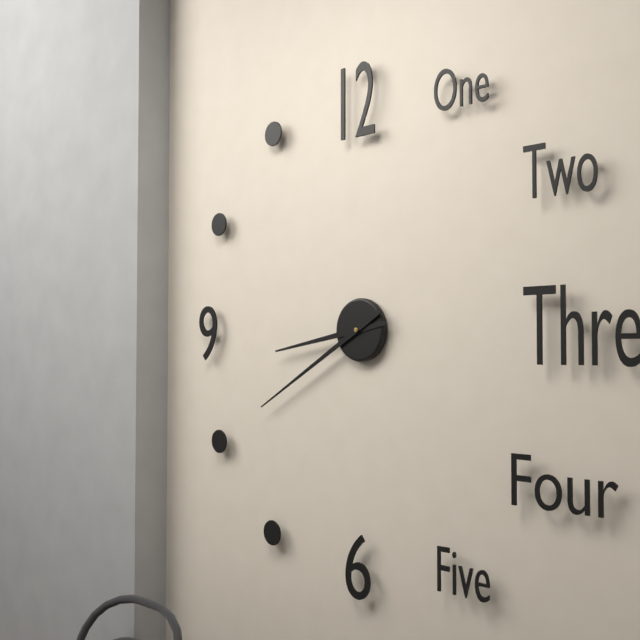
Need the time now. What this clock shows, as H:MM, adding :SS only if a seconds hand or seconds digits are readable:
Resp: 8:40
